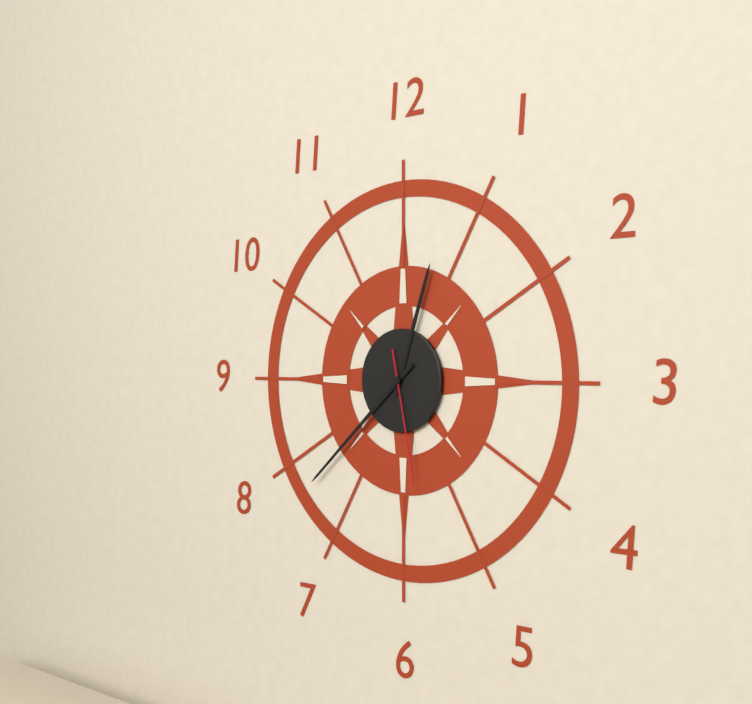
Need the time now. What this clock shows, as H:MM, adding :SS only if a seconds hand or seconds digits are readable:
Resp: 12:38:28
